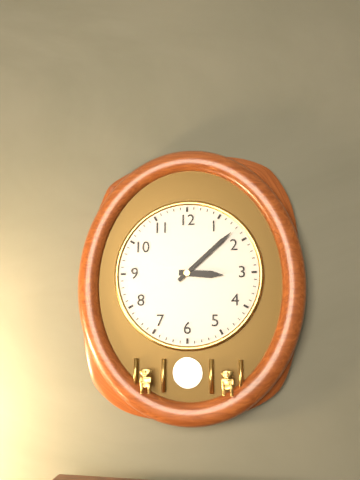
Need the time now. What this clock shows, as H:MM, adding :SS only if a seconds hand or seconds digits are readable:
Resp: 3:08
